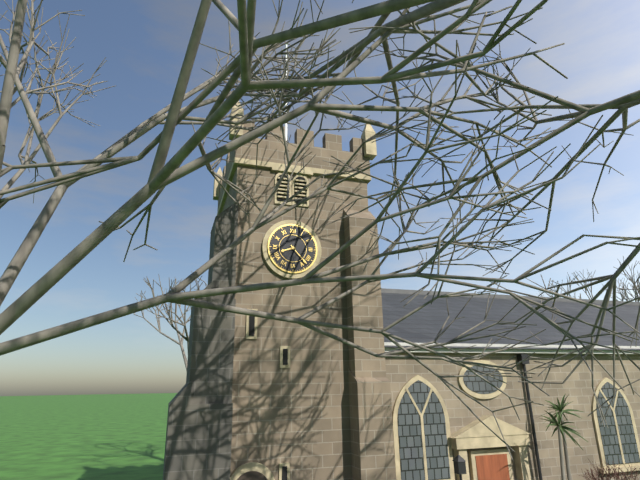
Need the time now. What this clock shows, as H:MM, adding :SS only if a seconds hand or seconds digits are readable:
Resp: 8:23
